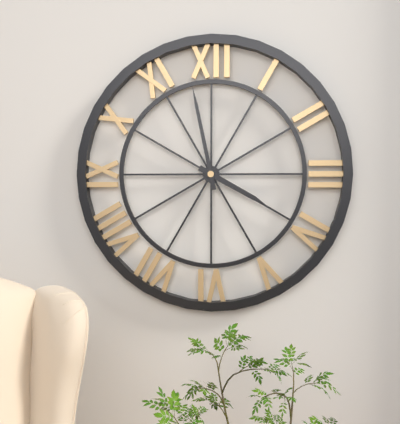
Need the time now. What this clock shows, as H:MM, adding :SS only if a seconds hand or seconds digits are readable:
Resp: 3:58
